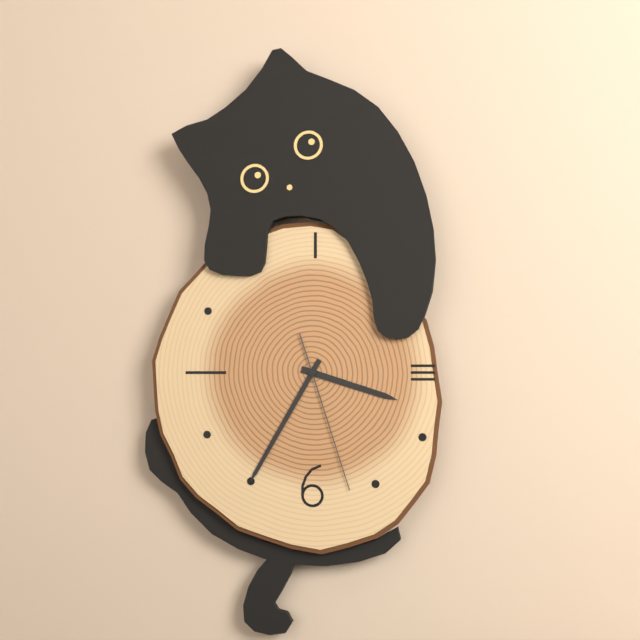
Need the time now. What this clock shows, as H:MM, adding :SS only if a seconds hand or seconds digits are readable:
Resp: 3:35:27
